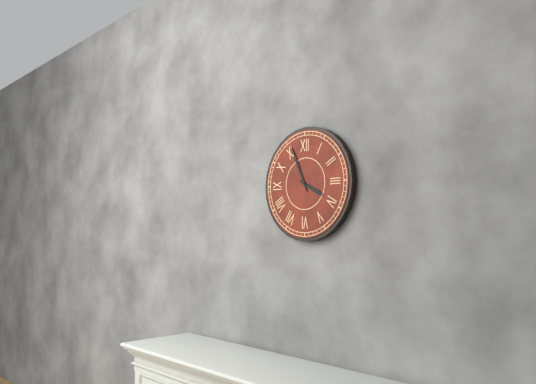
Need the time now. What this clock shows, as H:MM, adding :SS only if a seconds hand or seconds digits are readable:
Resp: 3:56
